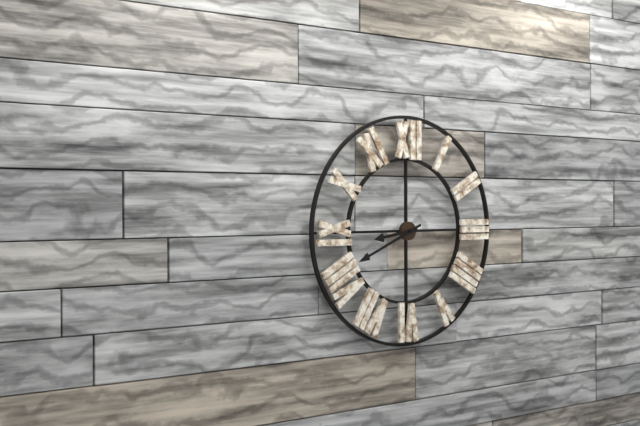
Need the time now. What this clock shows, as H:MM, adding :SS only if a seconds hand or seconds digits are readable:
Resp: 8:41
